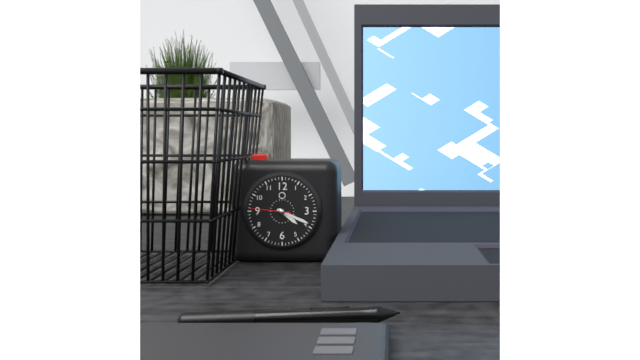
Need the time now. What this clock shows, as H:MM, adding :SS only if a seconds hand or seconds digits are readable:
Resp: 4:19
